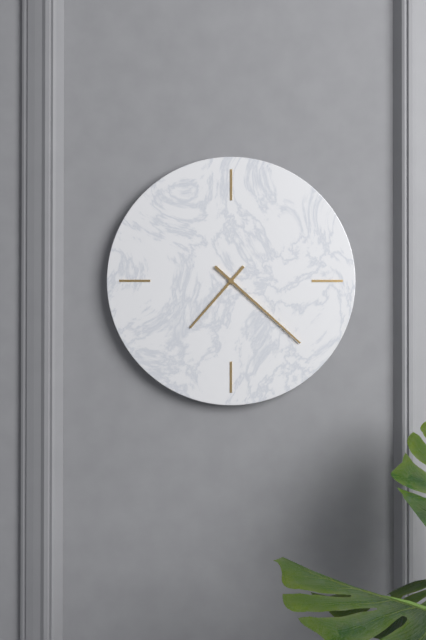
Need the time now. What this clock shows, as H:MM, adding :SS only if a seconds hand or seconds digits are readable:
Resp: 7:22
